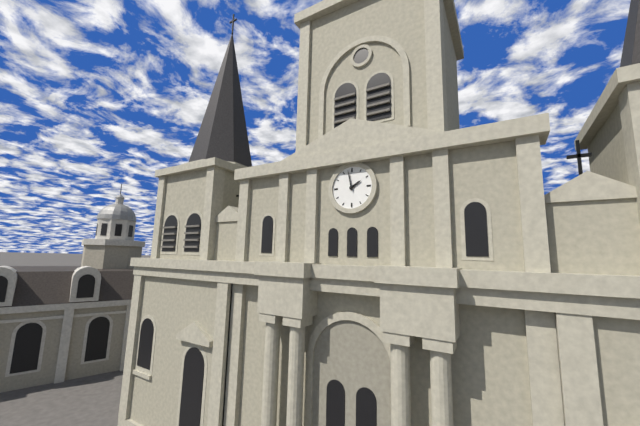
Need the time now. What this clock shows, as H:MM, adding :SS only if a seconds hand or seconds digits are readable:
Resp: 1:58
